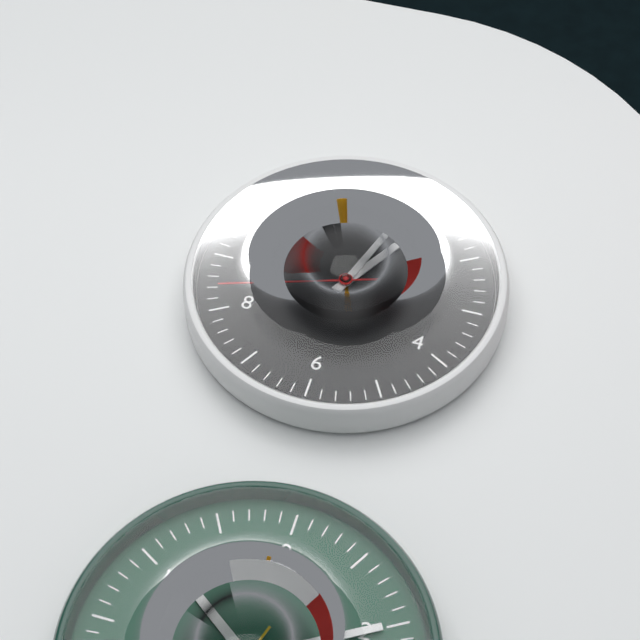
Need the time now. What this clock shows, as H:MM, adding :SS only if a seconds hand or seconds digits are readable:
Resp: 1:03:42
